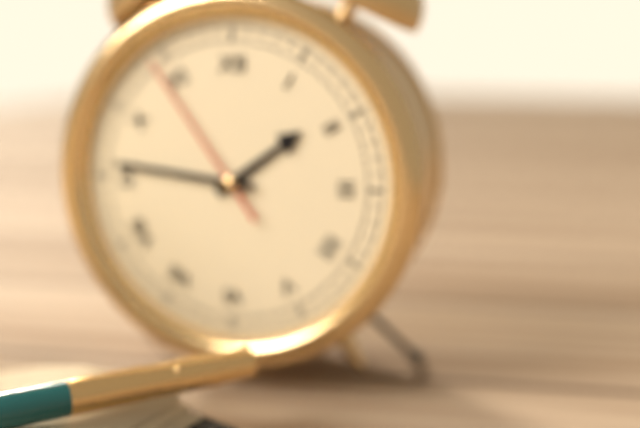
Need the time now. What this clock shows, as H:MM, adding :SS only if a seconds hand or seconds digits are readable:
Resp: 1:46:54
